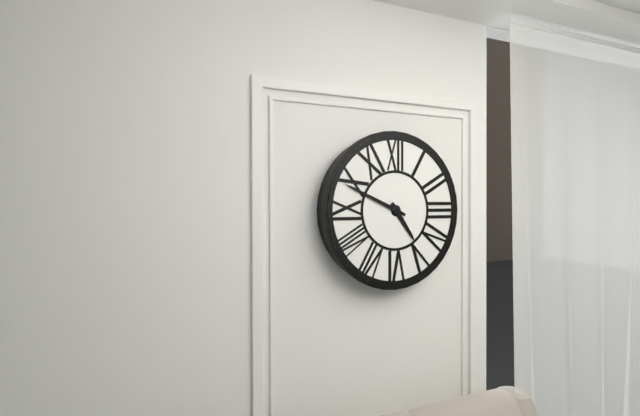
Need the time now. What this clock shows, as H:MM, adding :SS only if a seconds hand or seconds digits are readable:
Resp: 4:49
